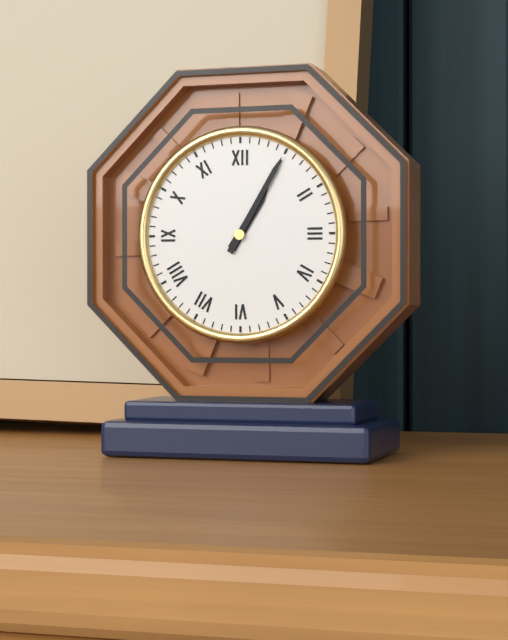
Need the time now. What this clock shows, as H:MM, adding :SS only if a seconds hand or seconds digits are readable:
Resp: 1:05
